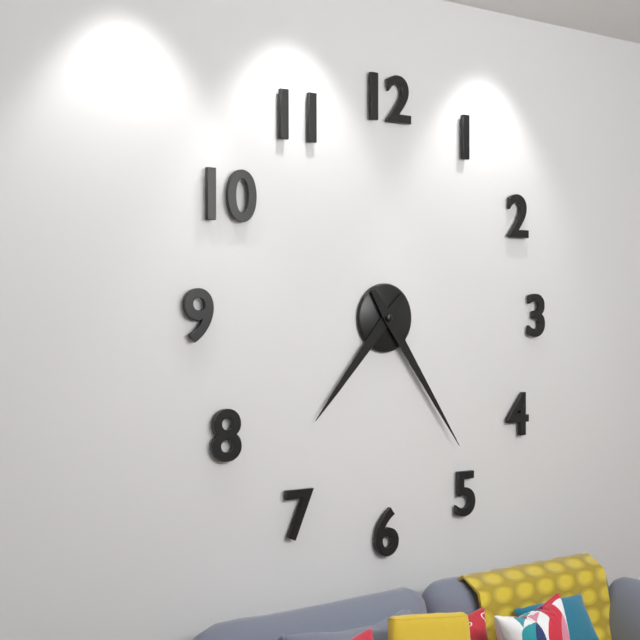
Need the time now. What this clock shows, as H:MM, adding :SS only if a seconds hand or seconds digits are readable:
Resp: 7:24
